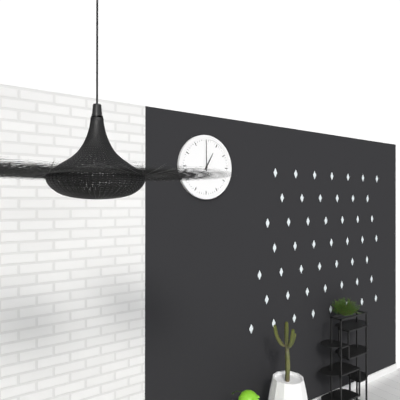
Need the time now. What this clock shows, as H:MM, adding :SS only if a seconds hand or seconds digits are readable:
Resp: 1:00
